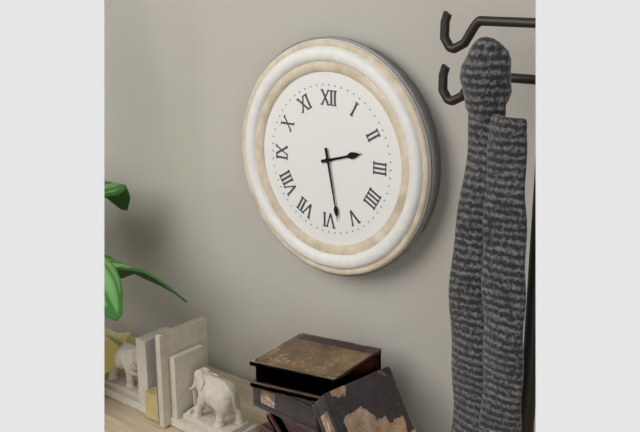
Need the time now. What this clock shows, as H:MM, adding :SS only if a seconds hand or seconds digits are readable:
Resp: 2:28
